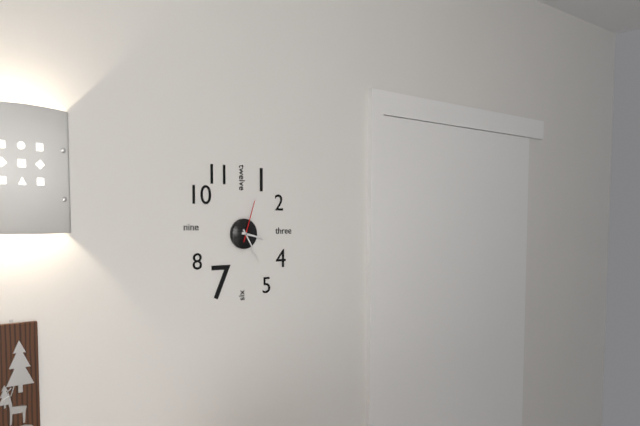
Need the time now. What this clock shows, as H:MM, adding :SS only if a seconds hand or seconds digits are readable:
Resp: 3:25
